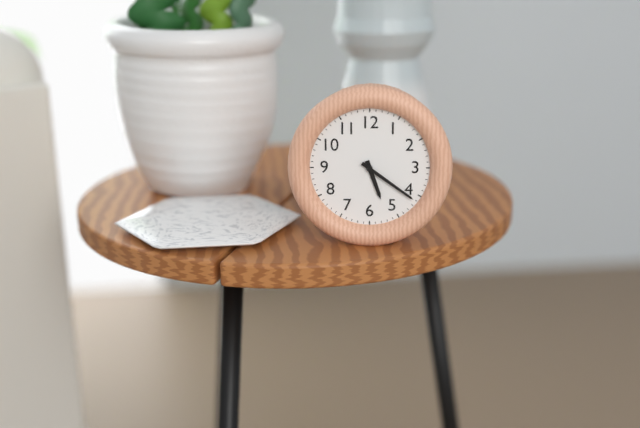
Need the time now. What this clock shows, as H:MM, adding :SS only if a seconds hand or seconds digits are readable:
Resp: 5:21
